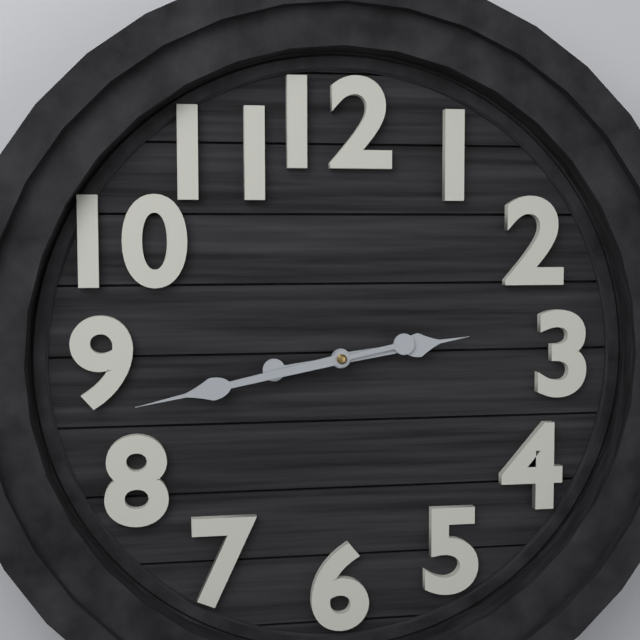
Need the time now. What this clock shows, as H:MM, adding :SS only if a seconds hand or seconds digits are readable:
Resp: 2:43
